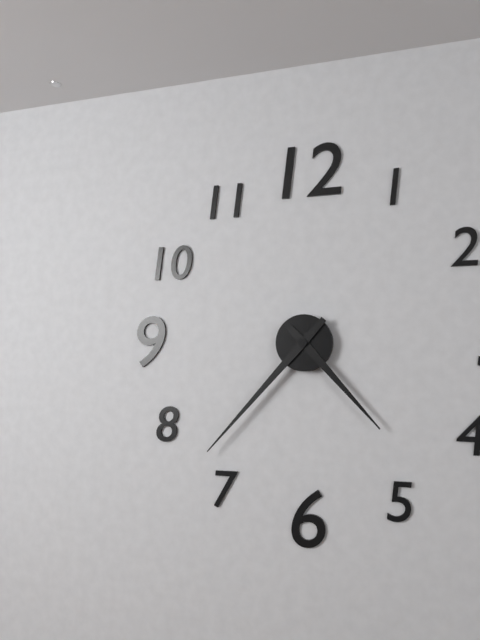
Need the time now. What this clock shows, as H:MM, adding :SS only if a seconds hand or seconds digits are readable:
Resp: 4:37
